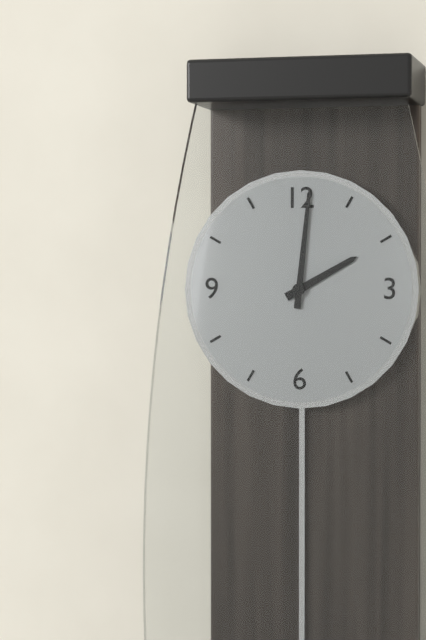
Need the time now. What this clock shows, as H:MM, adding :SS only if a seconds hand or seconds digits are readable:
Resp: 2:01
